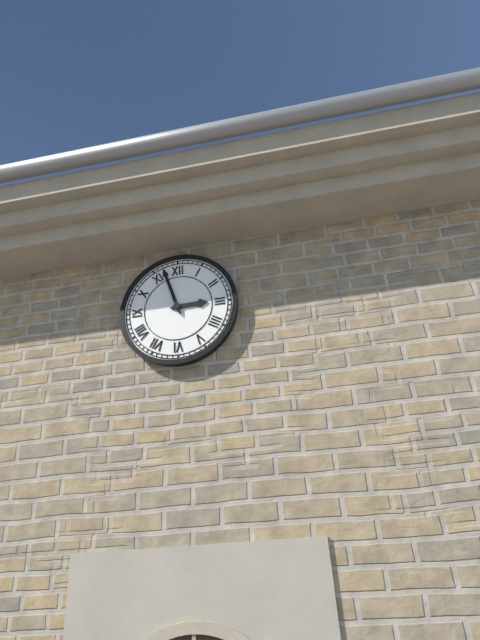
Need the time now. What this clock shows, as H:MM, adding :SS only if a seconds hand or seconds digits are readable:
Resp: 2:57
